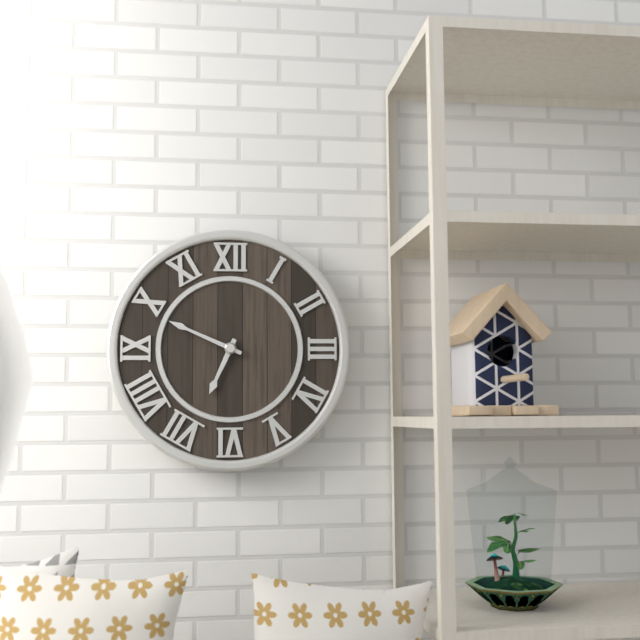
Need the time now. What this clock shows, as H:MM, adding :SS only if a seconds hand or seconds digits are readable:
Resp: 6:49
